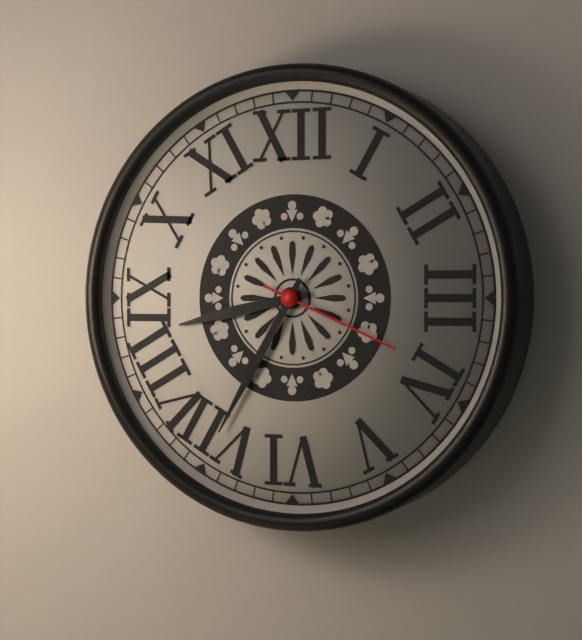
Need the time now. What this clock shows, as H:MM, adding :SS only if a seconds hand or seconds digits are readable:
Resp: 8:35:19
